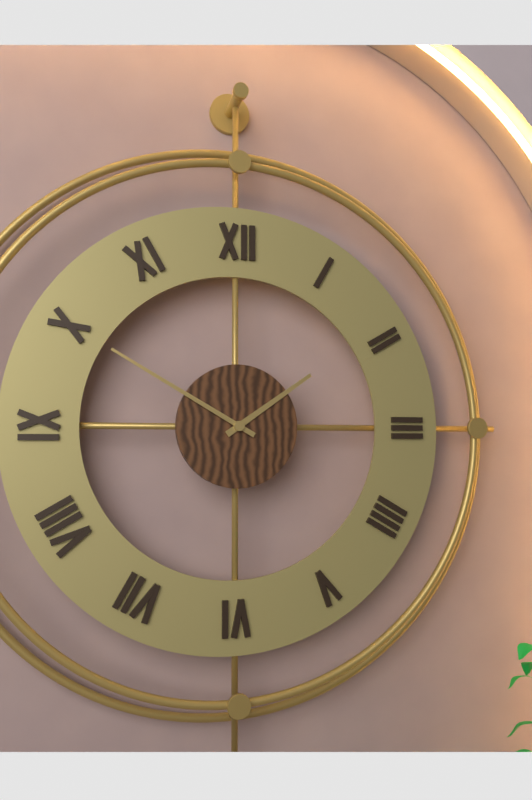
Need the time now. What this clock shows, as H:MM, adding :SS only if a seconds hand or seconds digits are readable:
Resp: 1:50
